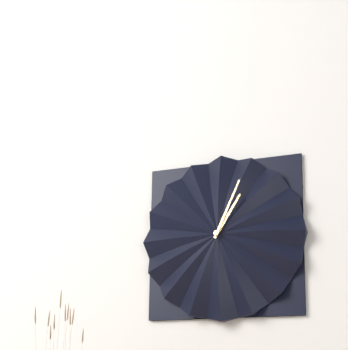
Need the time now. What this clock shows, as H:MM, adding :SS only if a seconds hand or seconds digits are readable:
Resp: 1:04
